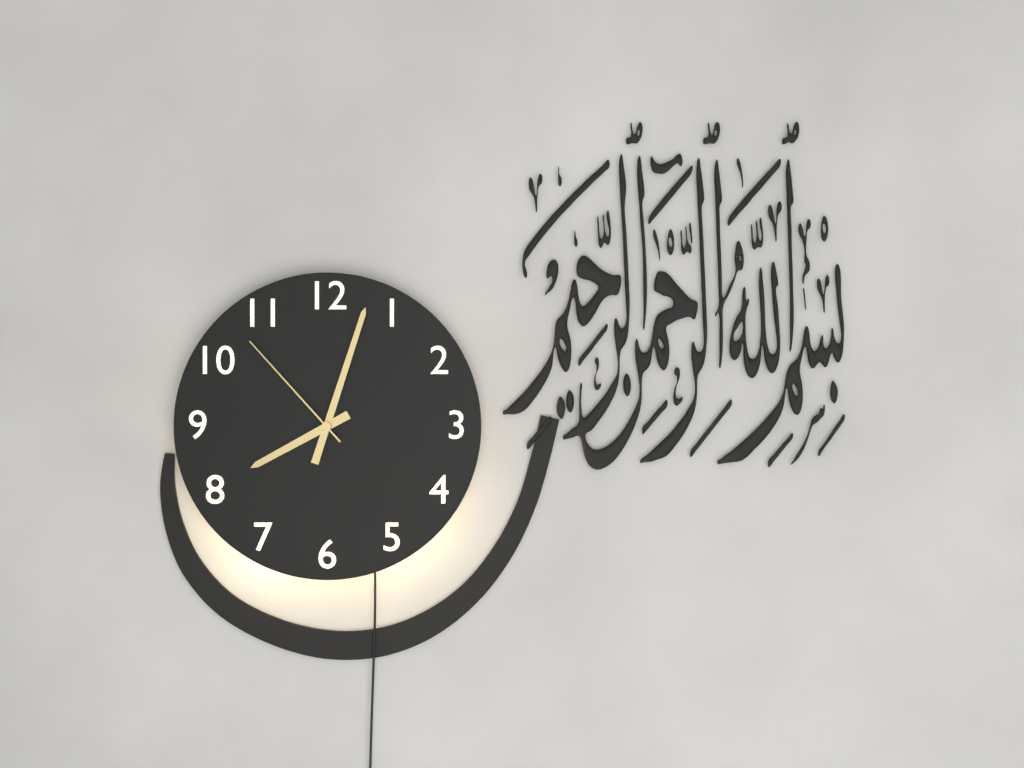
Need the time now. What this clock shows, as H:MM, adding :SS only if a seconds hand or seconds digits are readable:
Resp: 8:03:53
